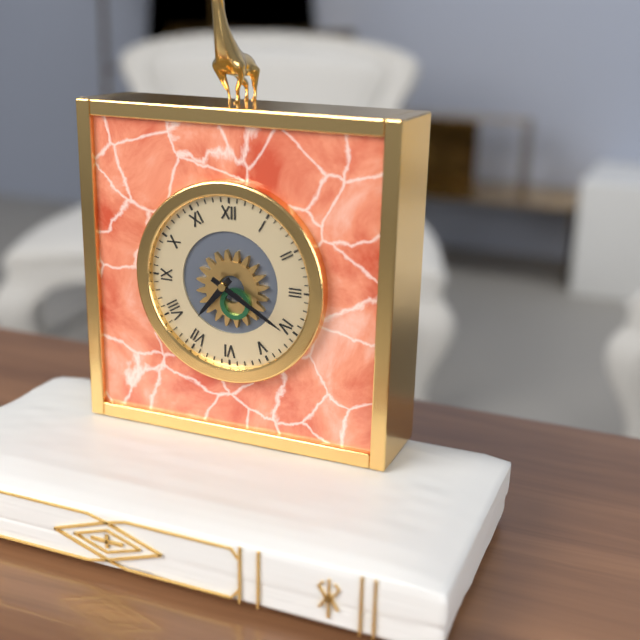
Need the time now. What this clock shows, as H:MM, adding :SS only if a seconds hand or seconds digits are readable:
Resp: 7:20
